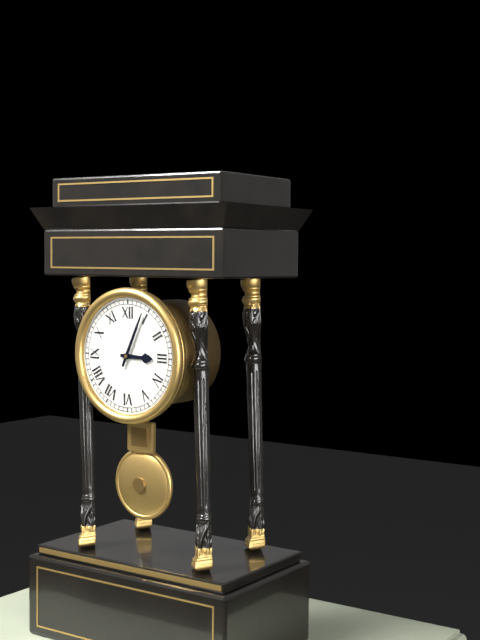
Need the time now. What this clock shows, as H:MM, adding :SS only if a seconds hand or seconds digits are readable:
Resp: 3:04
